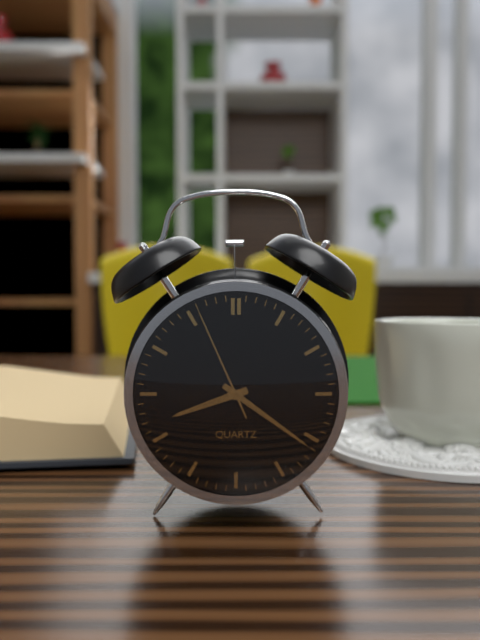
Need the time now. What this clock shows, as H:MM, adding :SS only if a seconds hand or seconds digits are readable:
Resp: 8:21:56
